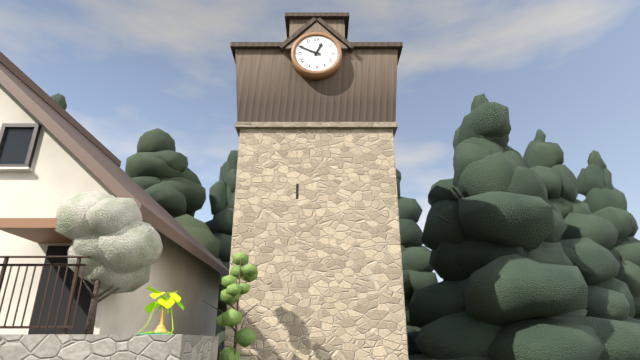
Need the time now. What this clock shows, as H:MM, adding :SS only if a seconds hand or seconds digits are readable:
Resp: 12:49
